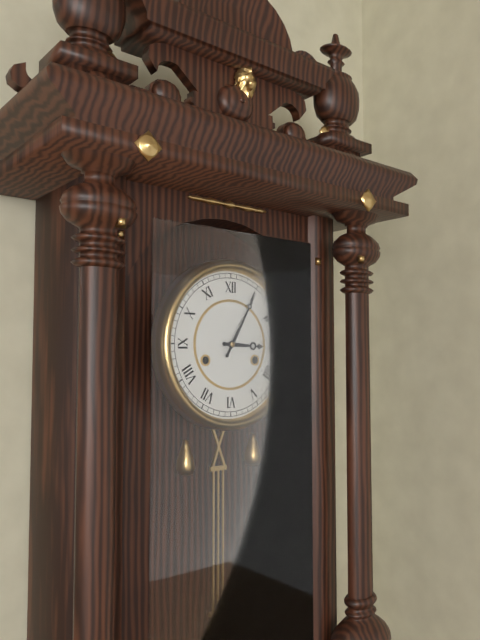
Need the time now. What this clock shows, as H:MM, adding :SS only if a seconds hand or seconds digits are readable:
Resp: 3:05
